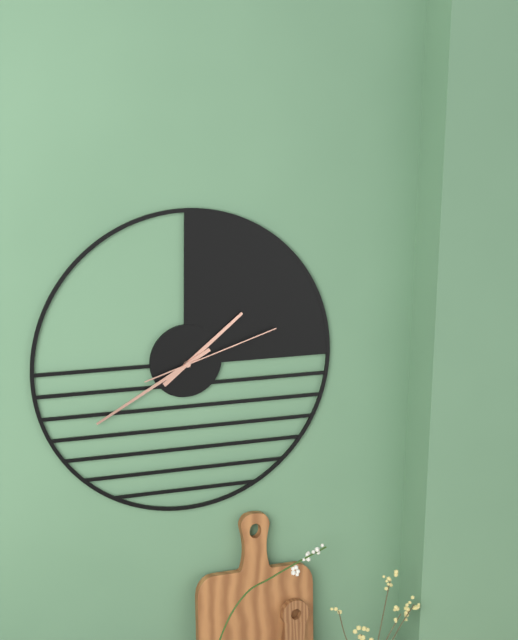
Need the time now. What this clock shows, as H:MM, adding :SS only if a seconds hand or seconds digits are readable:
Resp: 1:40:12
